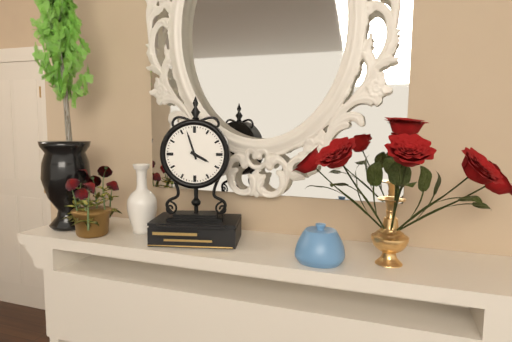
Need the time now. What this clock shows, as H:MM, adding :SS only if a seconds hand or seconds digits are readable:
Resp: 3:57
